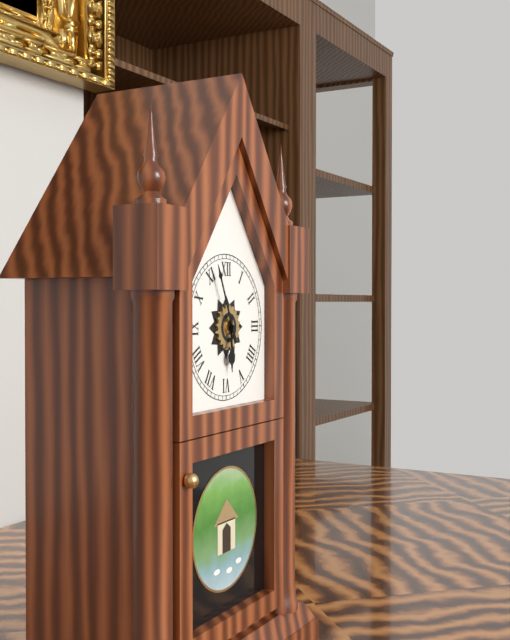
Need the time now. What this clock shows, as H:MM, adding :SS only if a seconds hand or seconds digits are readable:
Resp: 5:56
